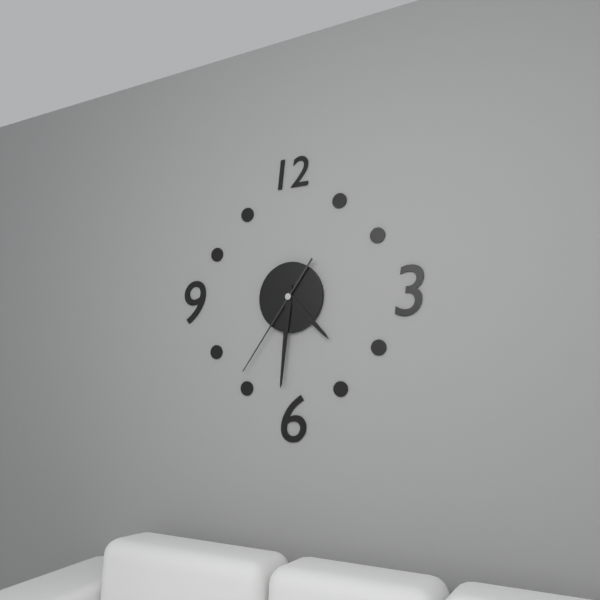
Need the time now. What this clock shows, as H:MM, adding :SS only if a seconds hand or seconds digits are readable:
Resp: 4:31:36
